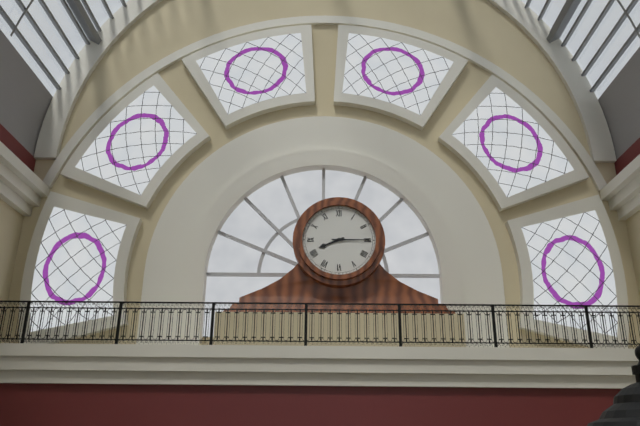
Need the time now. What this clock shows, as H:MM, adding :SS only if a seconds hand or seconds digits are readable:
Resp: 8:15
